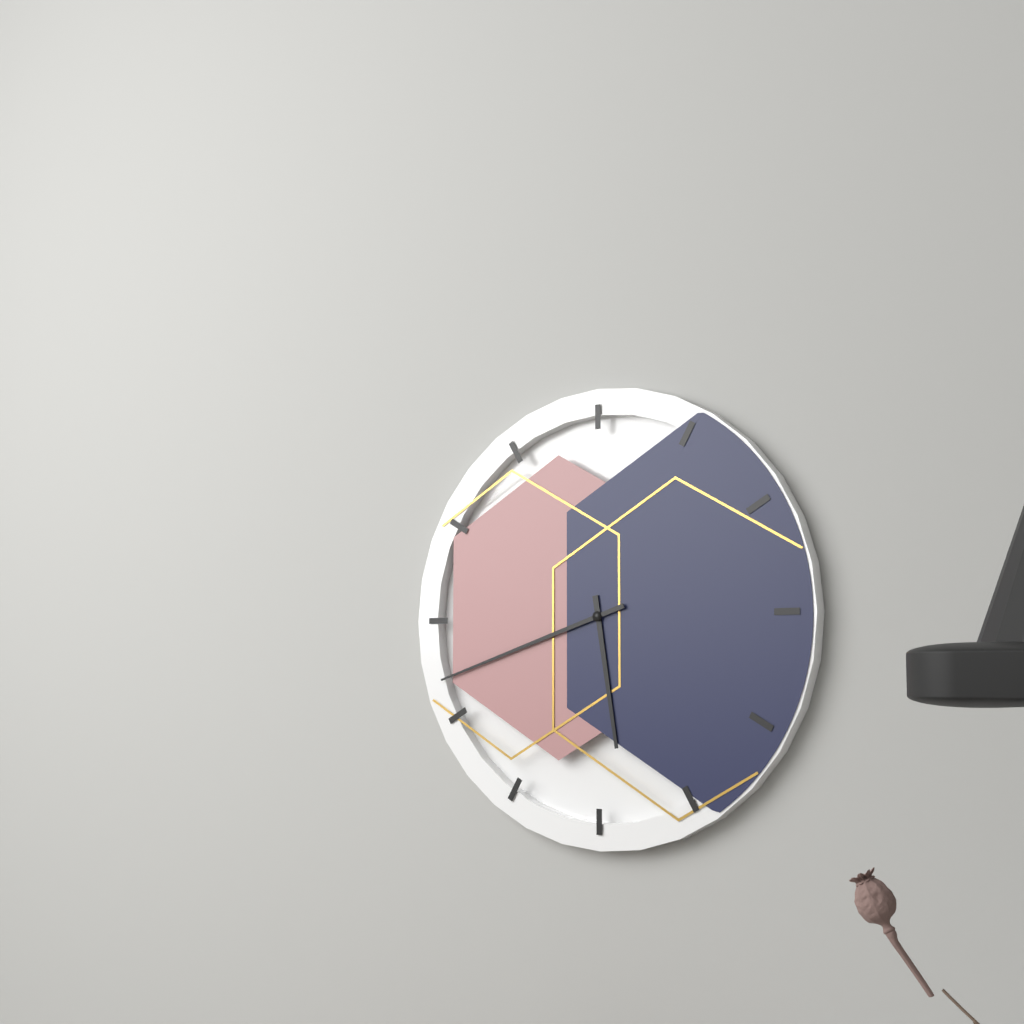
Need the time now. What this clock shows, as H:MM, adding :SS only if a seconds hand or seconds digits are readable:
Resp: 5:42
